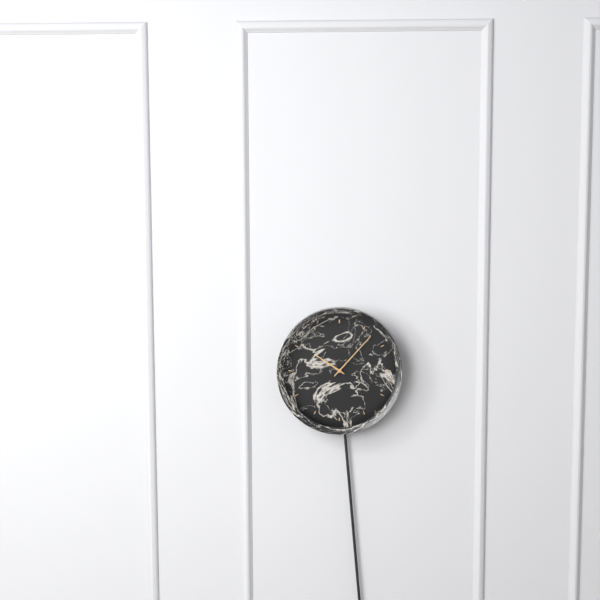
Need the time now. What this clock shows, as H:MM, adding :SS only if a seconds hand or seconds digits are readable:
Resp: 10:07
